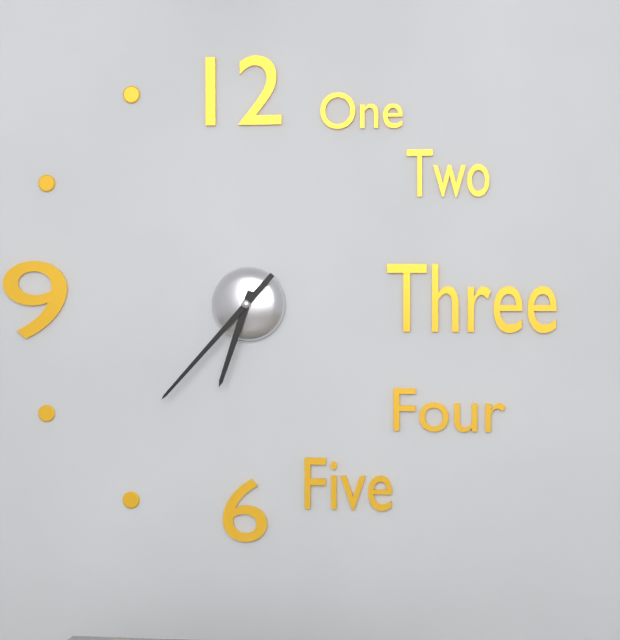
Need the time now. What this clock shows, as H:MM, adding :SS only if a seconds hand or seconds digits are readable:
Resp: 6:37
